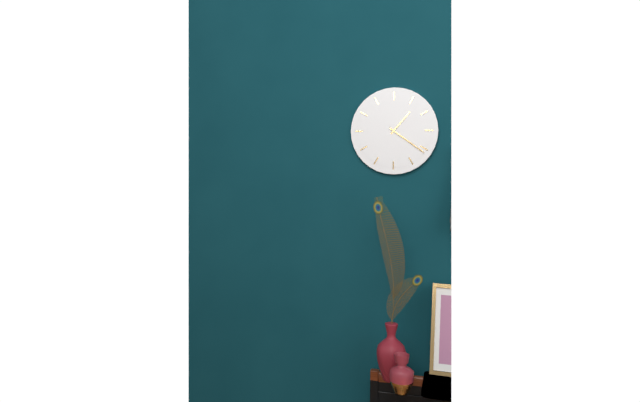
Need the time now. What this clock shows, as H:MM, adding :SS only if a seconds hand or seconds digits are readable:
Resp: 1:21
